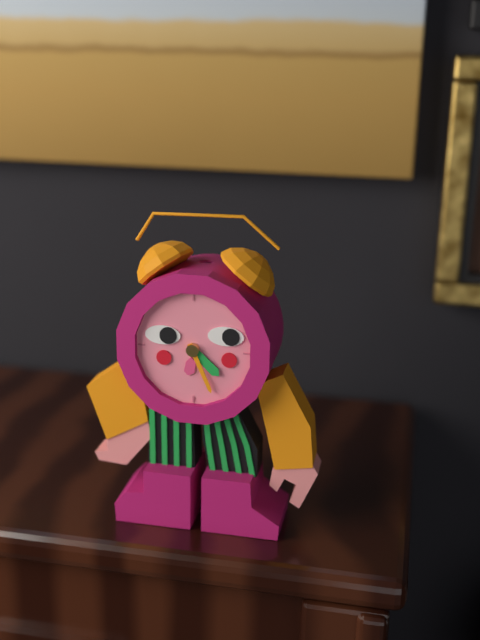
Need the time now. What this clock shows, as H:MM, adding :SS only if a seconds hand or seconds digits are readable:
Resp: 4:26
